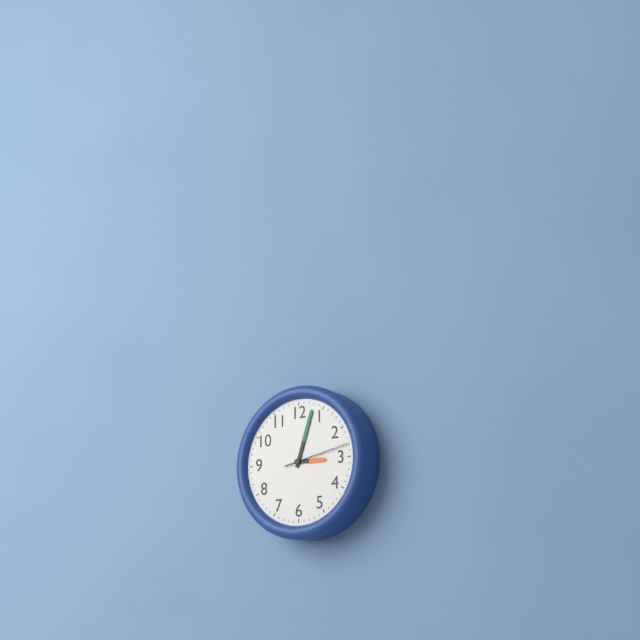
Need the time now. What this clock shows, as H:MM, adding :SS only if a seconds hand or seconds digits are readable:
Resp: 3:03:13
